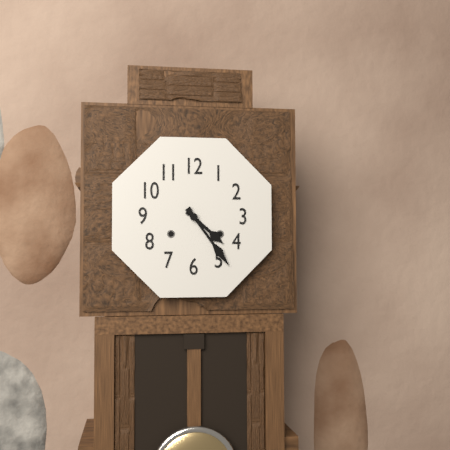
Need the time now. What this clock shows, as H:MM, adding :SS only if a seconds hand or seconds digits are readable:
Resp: 4:24
